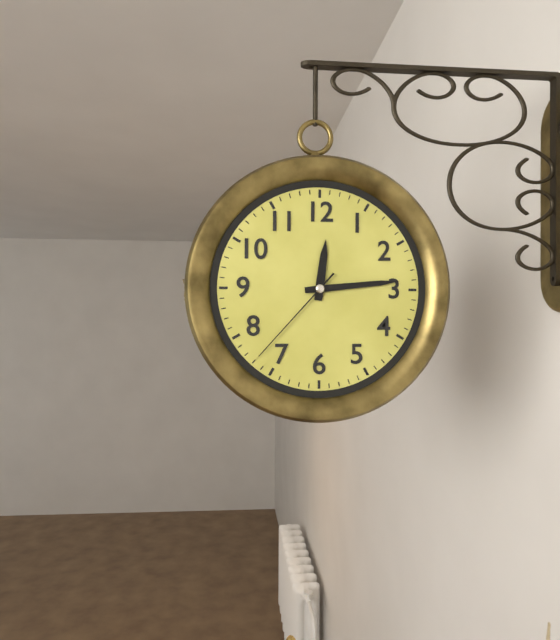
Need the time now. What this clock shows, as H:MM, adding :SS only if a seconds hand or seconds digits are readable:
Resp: 12:14:37
